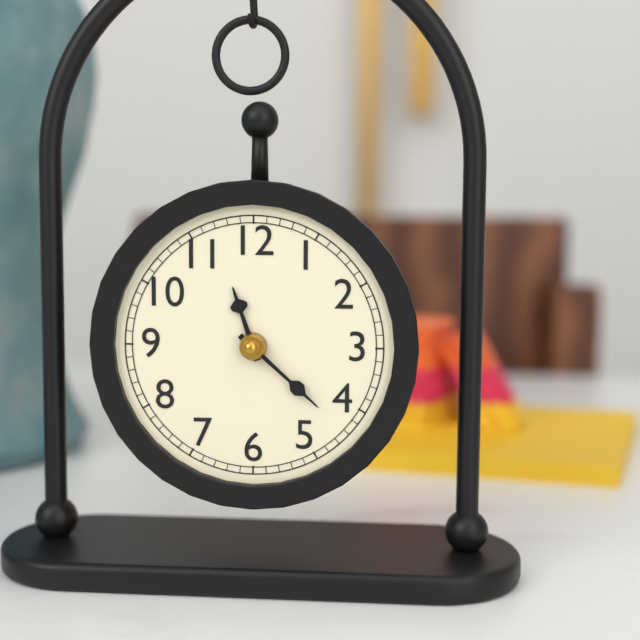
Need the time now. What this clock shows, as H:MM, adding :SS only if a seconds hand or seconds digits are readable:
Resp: 11:22
